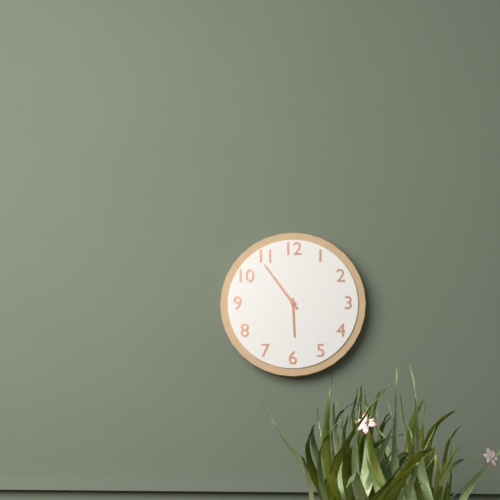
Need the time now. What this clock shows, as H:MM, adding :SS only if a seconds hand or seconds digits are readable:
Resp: 5:54
